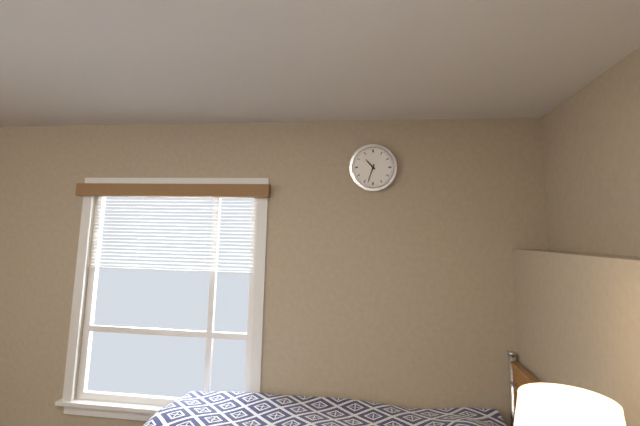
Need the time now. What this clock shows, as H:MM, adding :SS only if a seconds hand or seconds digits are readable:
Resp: 10:33
